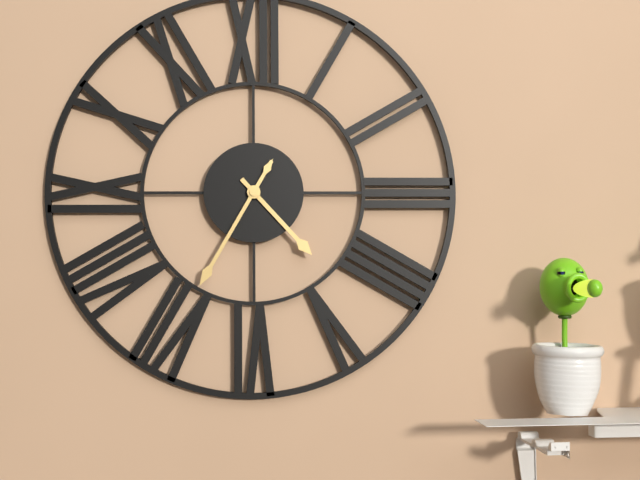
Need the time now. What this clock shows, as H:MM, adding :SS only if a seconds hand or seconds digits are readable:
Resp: 4:35
